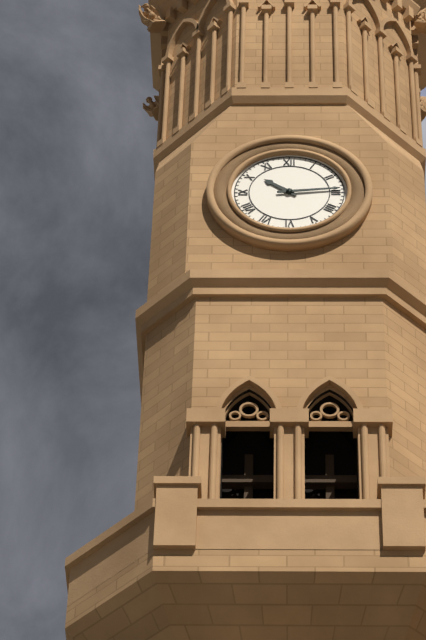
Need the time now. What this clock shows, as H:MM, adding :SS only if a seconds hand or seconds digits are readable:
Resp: 10:14
